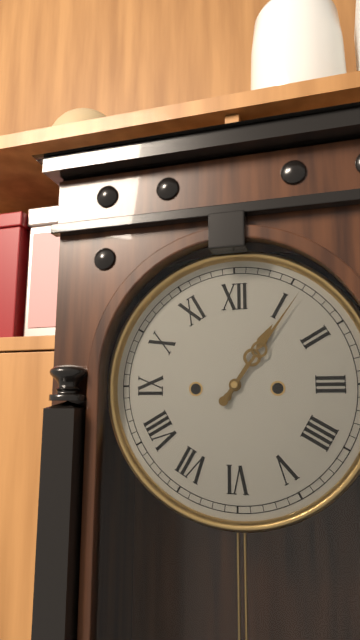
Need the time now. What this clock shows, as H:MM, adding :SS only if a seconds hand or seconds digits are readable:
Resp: 1:06
